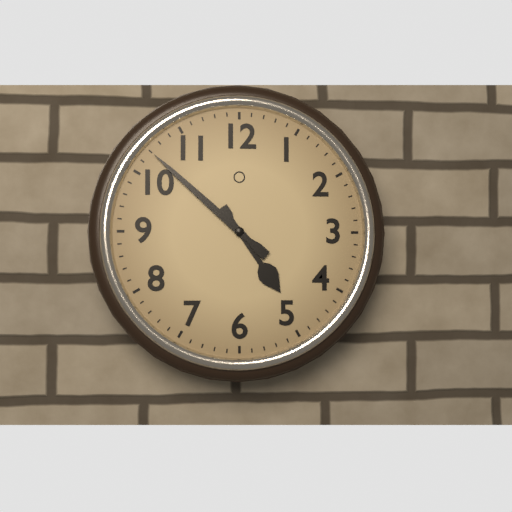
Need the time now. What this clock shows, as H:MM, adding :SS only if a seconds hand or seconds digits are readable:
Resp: 4:52
